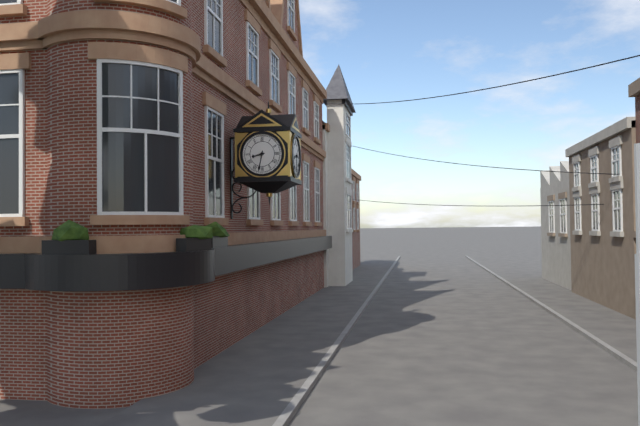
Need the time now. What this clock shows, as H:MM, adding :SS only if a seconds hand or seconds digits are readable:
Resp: 8:32
